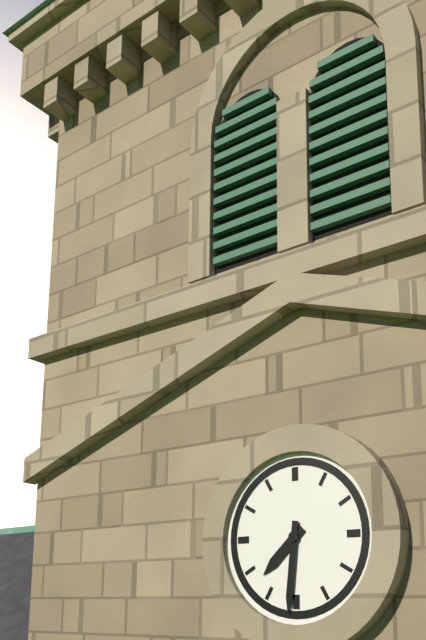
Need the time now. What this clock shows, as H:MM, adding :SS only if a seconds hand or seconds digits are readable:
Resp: 7:31
